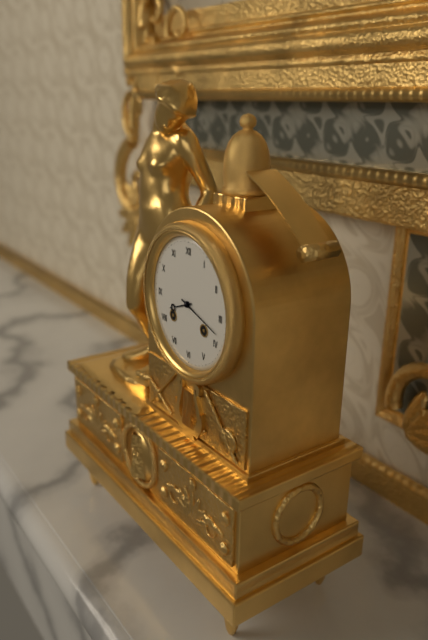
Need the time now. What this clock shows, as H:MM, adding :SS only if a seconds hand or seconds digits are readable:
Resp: 8:18
